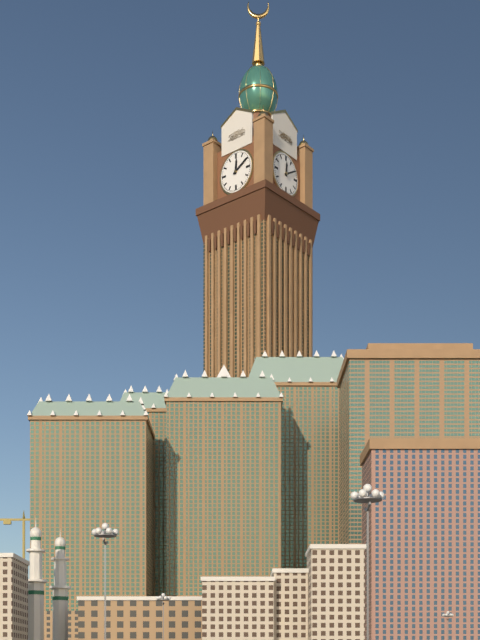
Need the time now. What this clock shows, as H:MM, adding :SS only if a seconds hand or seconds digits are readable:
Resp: 12:10
